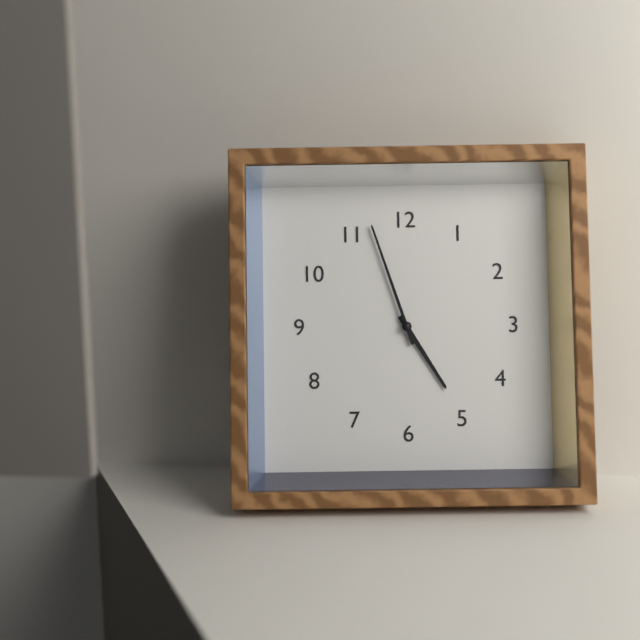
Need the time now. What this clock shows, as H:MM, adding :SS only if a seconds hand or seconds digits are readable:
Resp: 4:57
